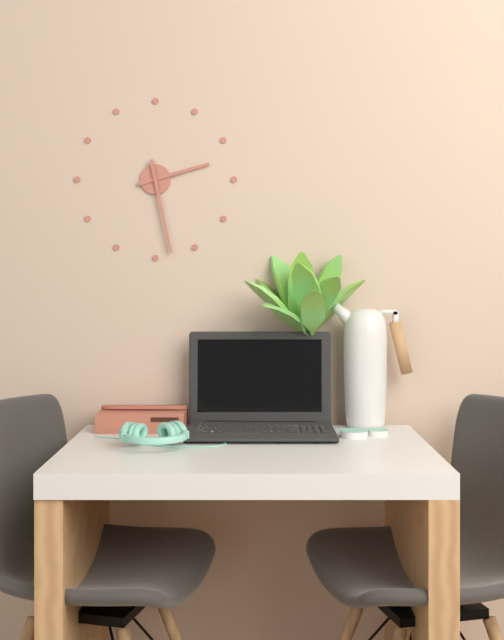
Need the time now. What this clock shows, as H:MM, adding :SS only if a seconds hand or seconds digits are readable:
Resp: 2:28
